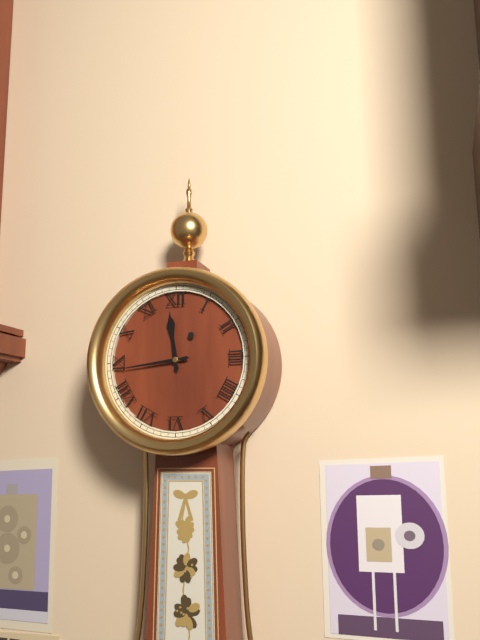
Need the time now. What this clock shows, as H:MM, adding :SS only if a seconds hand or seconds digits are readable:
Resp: 11:44
